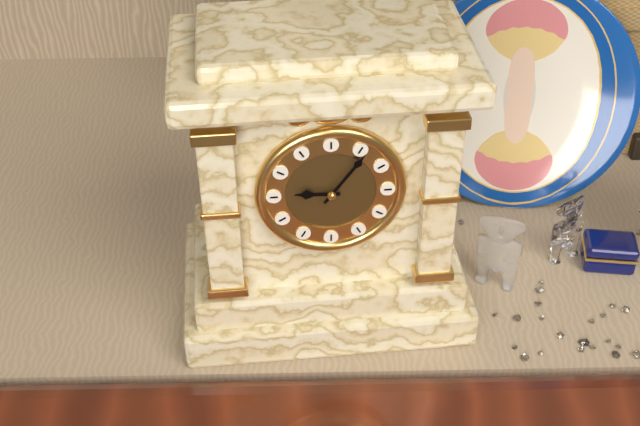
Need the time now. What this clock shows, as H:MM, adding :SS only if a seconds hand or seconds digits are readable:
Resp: 9:06
